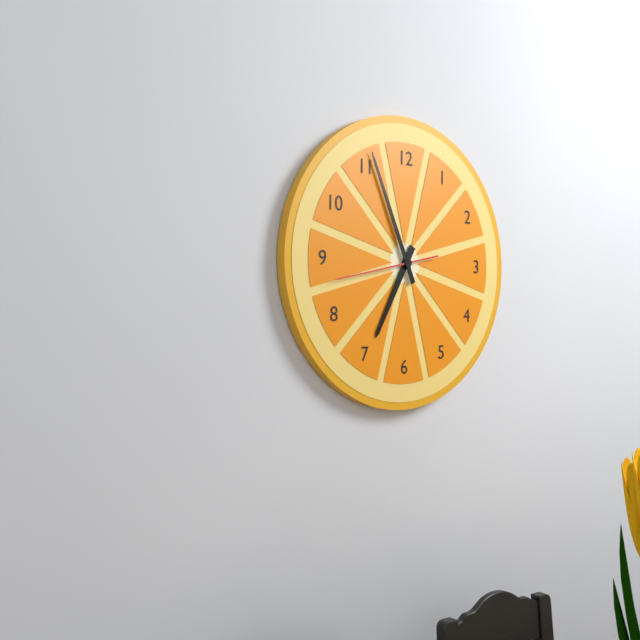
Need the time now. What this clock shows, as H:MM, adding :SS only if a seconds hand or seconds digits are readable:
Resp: 6:56:43
